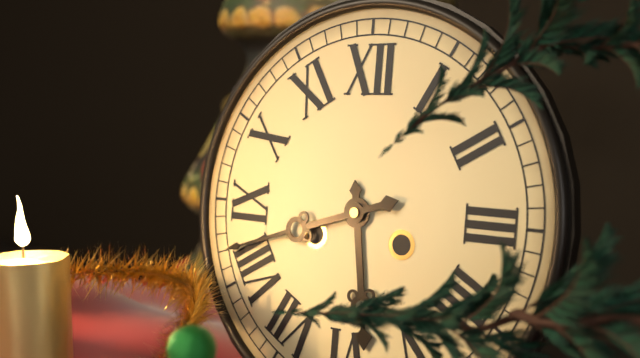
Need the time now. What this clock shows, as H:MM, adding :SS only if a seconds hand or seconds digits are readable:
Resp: 5:42
